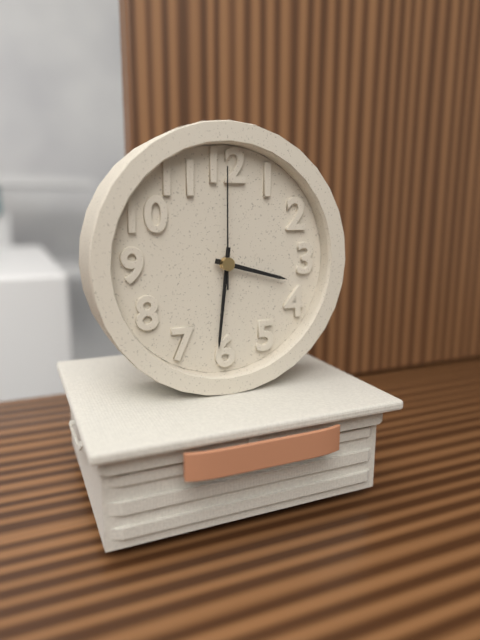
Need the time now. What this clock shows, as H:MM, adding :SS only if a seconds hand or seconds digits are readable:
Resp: 3:31:00
